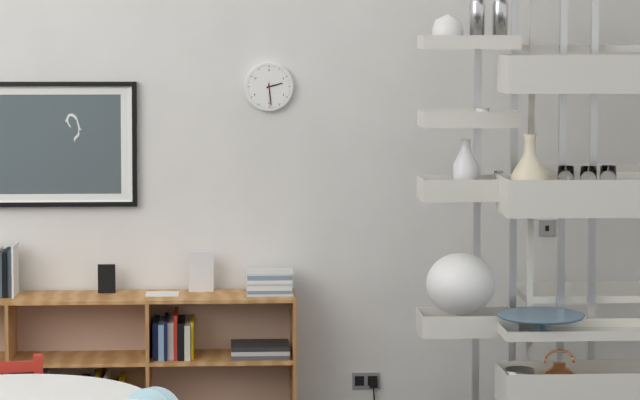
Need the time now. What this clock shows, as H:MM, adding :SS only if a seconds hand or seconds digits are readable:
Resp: 2:29
